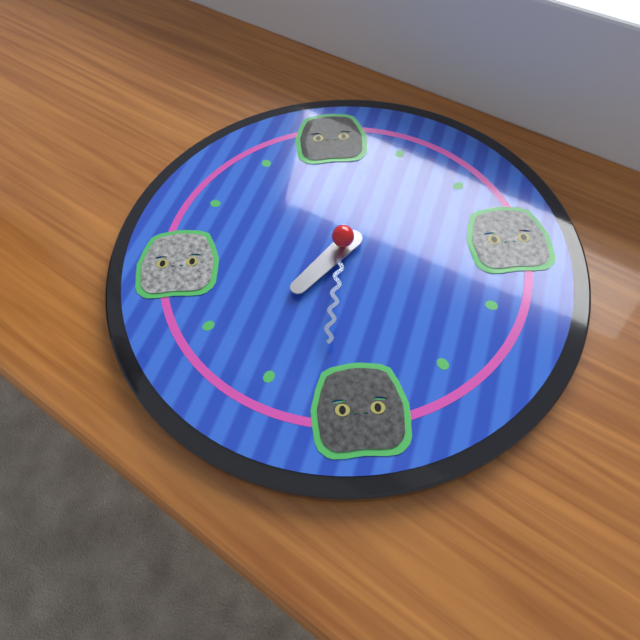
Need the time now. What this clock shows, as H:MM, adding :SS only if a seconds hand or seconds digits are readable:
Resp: 7:32
